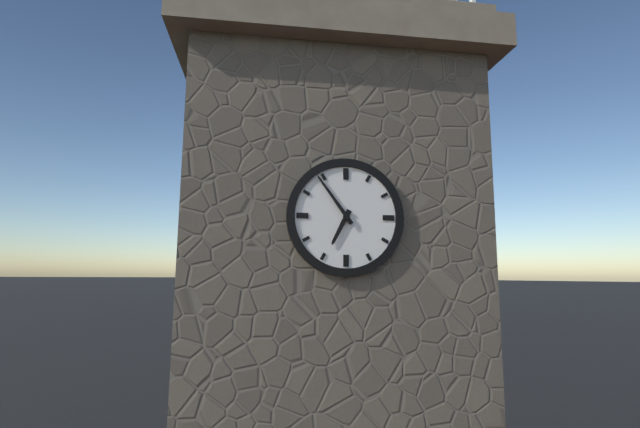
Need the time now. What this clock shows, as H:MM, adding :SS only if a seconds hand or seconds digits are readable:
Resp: 6:54
